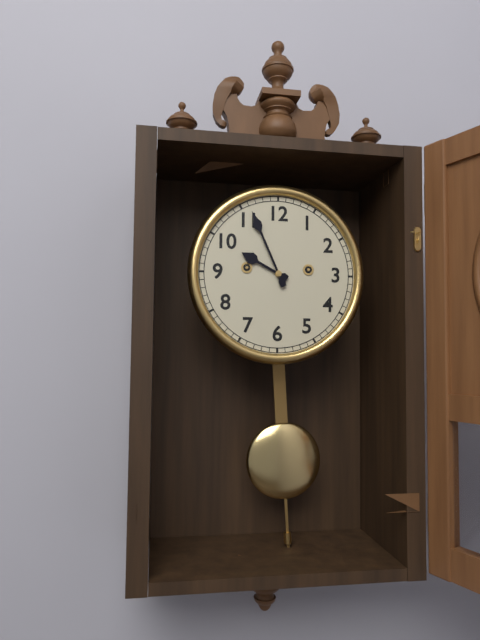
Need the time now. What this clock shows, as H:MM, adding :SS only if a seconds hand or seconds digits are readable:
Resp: 9:56
